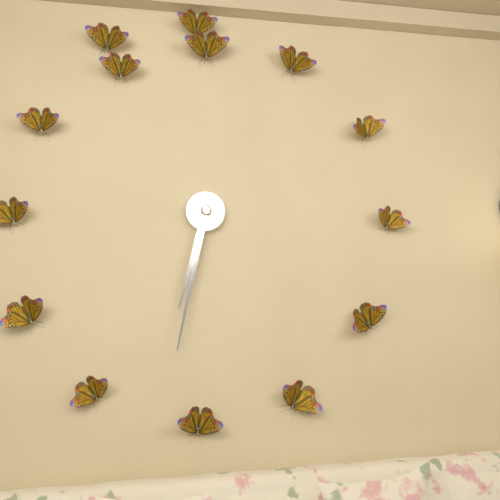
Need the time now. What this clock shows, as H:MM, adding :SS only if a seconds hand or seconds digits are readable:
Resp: 6:32
